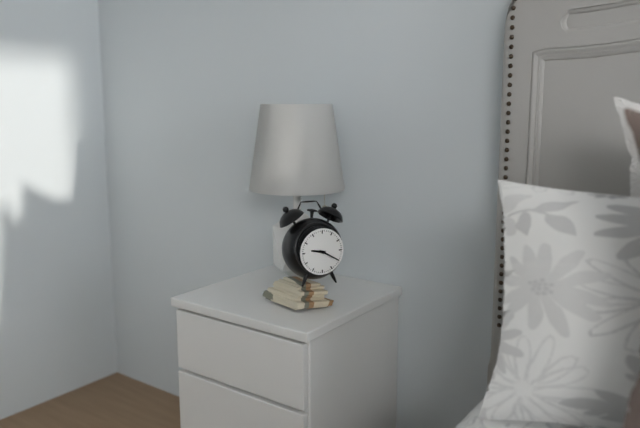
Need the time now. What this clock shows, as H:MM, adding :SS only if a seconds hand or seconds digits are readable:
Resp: 9:20
